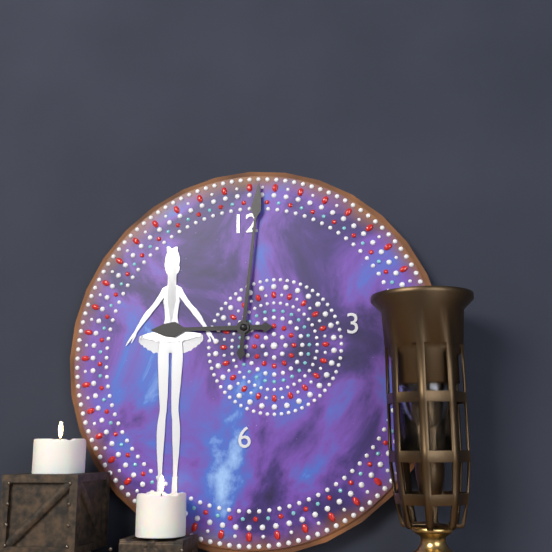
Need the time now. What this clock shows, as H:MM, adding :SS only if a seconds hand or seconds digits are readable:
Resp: 9:01
